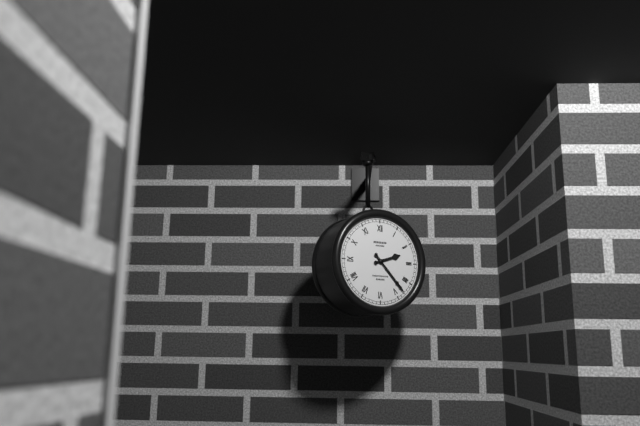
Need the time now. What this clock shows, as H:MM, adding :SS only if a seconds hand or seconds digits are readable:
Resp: 2:23
